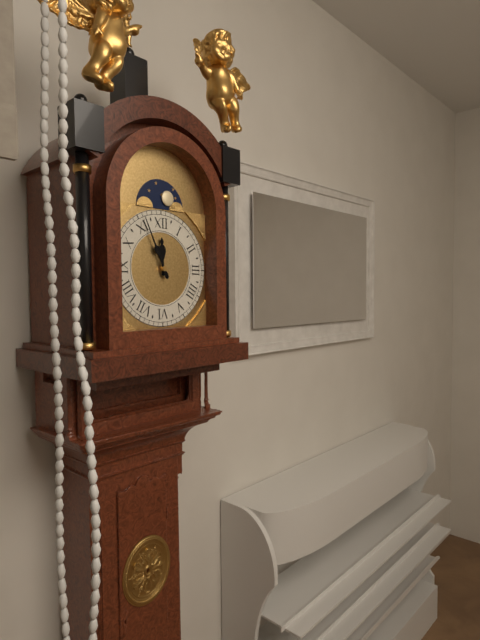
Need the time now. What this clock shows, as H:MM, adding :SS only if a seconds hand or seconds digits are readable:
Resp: 11:56
